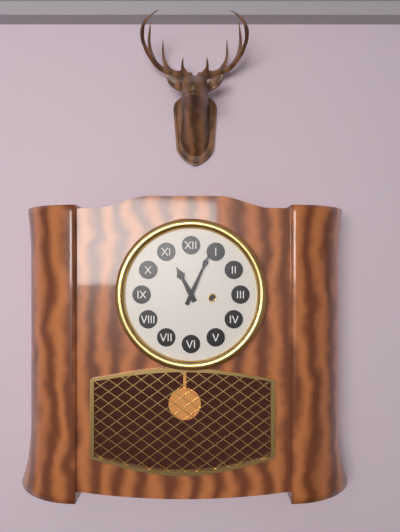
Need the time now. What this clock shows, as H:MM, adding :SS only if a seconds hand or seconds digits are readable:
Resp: 11:04
